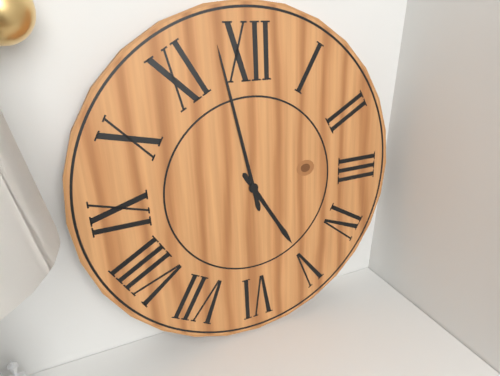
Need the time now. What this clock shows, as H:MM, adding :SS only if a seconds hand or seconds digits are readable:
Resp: 4:58
